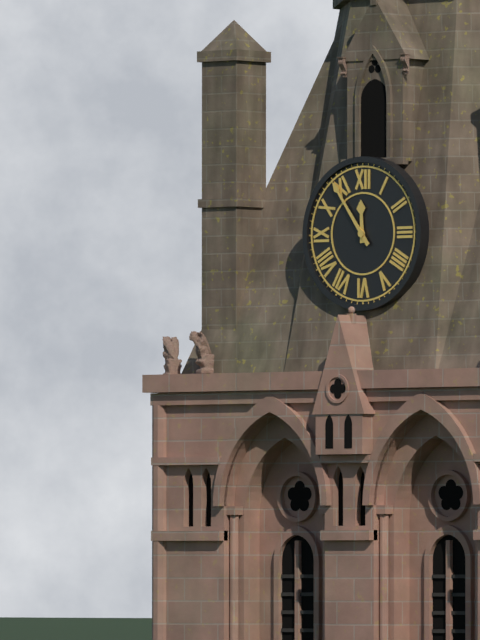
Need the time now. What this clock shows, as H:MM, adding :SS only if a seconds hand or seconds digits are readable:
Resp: 11:54
